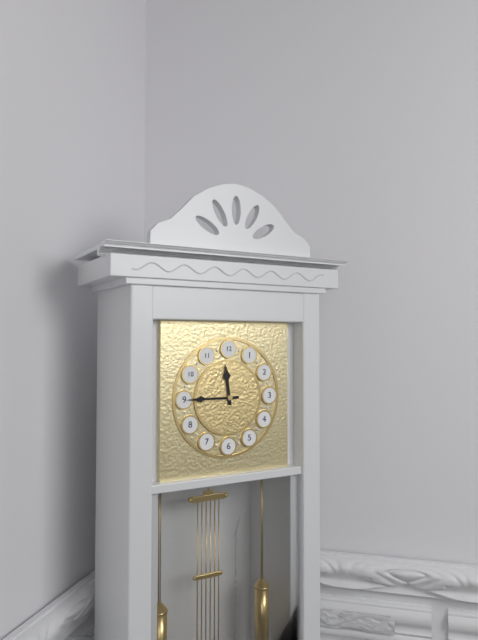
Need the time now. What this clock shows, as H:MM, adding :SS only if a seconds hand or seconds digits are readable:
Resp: 11:45
